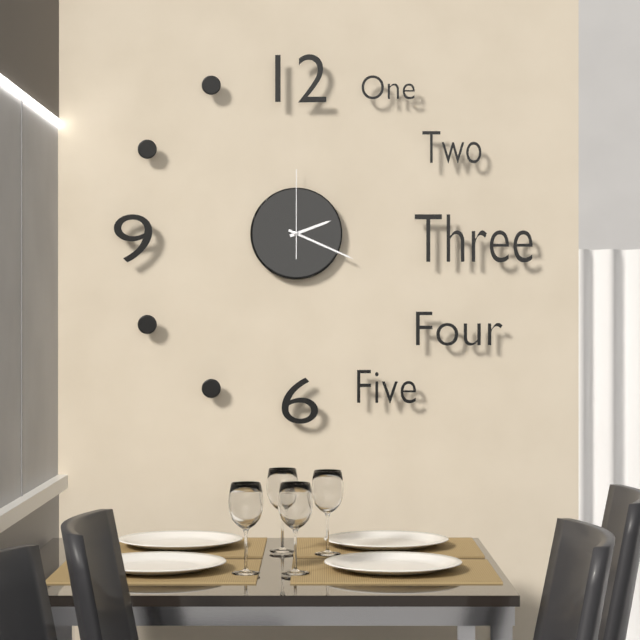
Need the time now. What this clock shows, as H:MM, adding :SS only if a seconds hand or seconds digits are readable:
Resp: 2:19:00
